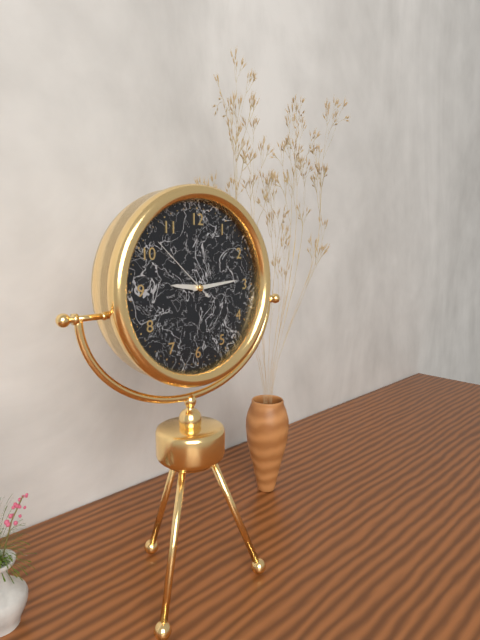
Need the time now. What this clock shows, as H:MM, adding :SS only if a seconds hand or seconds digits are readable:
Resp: 9:14:52
